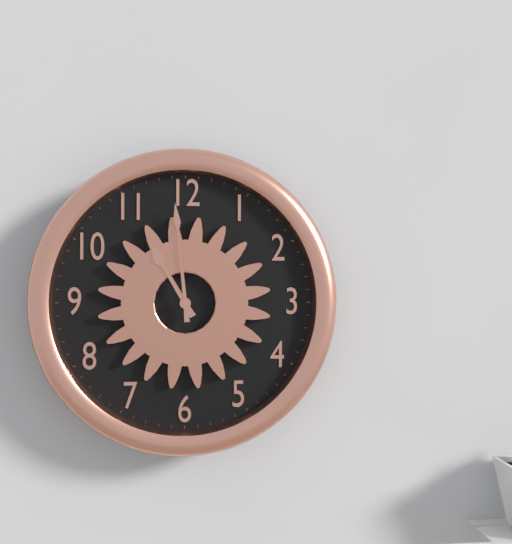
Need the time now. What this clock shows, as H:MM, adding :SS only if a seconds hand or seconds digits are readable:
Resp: 10:59
